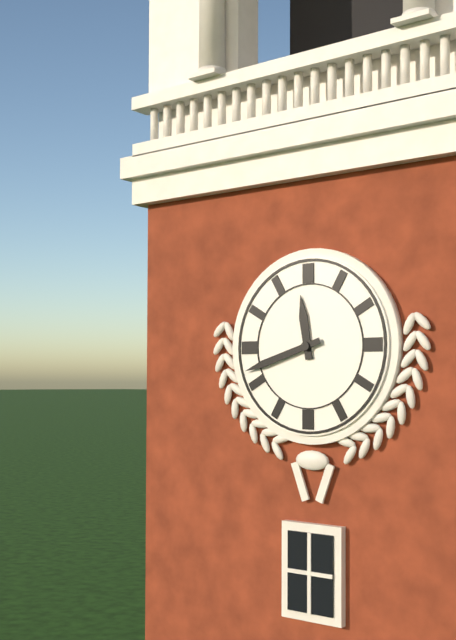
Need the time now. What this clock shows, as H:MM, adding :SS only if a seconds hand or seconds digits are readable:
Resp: 11:42
